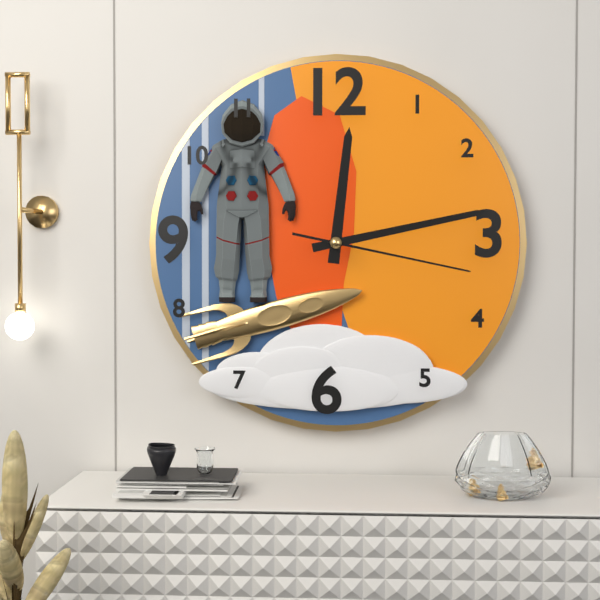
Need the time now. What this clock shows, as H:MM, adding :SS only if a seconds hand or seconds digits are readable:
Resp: 12:13:17
